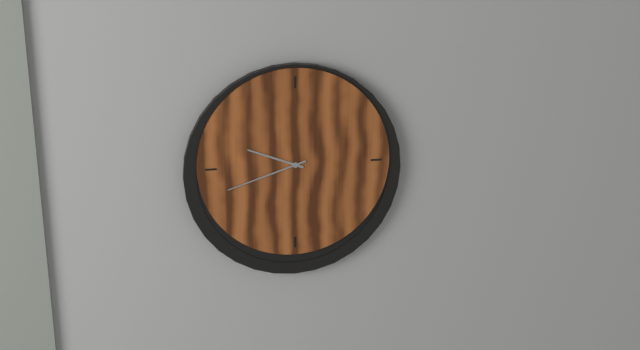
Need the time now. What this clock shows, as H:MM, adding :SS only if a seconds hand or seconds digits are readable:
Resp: 9:42
